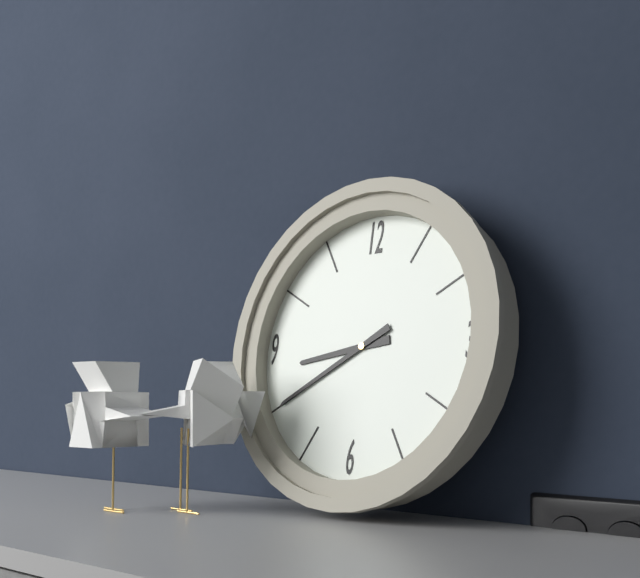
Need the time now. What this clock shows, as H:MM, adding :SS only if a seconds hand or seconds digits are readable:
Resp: 8:40
